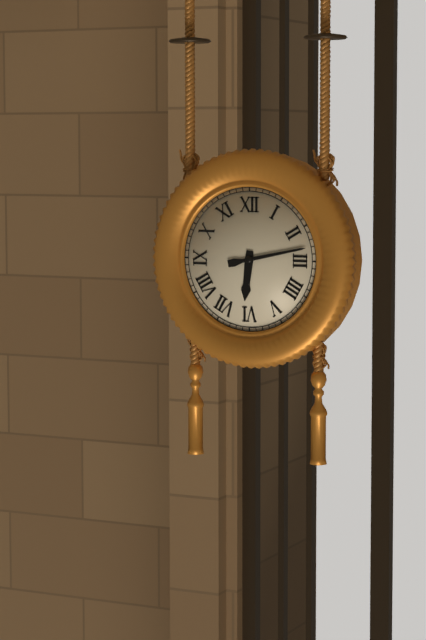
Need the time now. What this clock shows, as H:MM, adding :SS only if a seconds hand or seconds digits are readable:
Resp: 6:13
